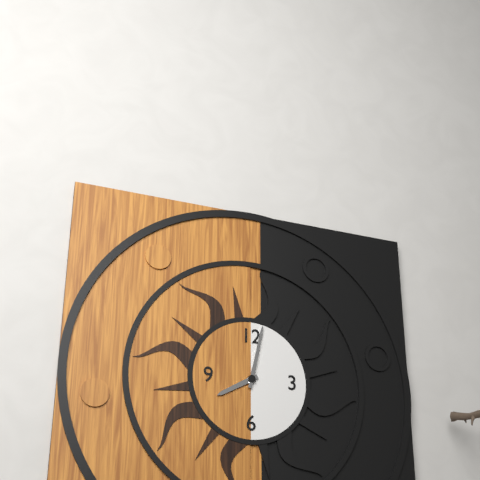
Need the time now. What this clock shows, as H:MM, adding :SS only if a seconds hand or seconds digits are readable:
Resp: 8:02
